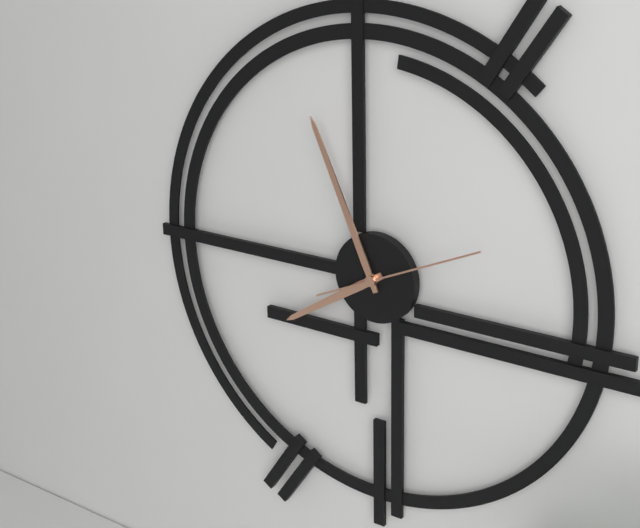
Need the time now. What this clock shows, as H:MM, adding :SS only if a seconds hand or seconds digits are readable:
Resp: 7:56:11
